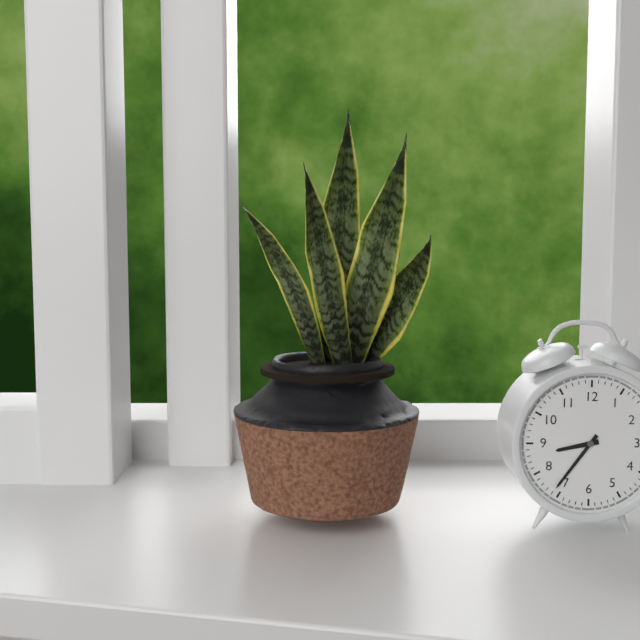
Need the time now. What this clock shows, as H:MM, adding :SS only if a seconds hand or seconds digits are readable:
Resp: 8:36
